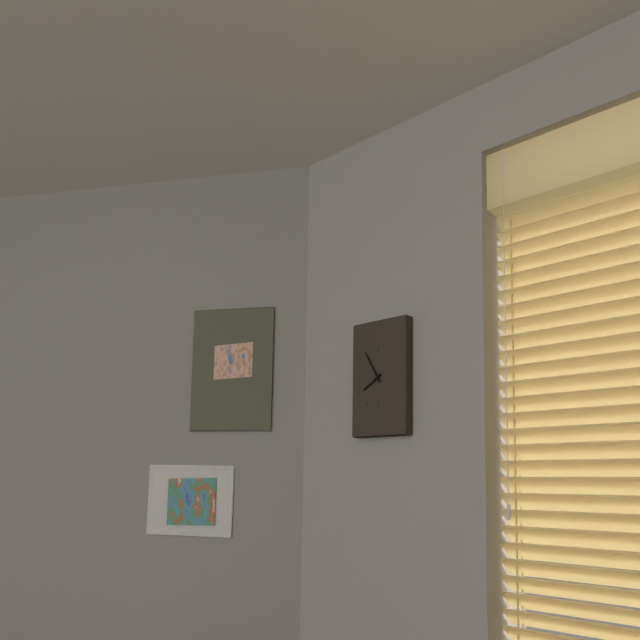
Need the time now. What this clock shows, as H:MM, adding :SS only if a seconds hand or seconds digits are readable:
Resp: 7:55
